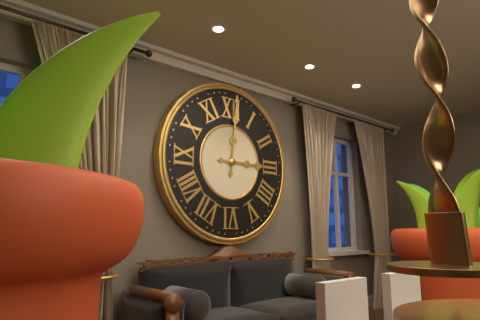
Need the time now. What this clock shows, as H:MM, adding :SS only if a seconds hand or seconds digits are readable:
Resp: 3:01
